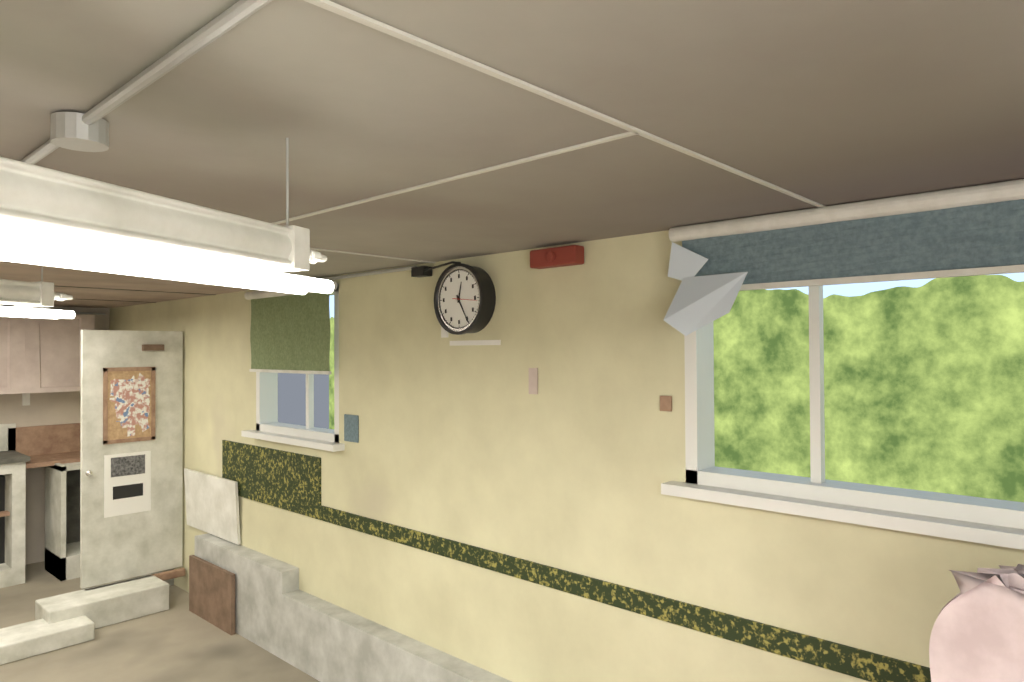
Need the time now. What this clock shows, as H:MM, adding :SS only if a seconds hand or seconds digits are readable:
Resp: 12:25
